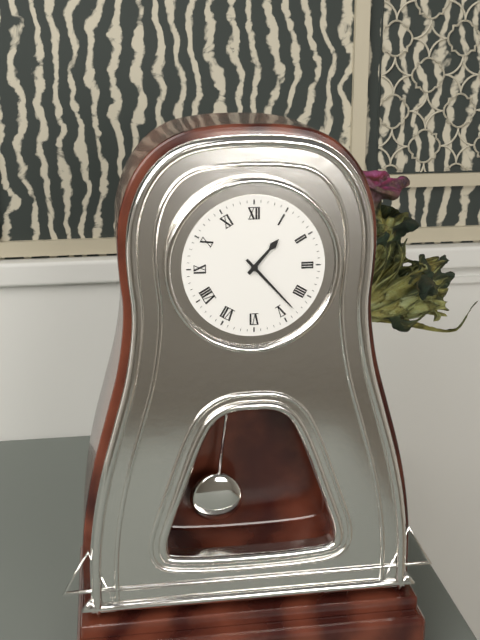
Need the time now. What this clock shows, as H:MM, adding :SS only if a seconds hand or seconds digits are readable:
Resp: 1:23
